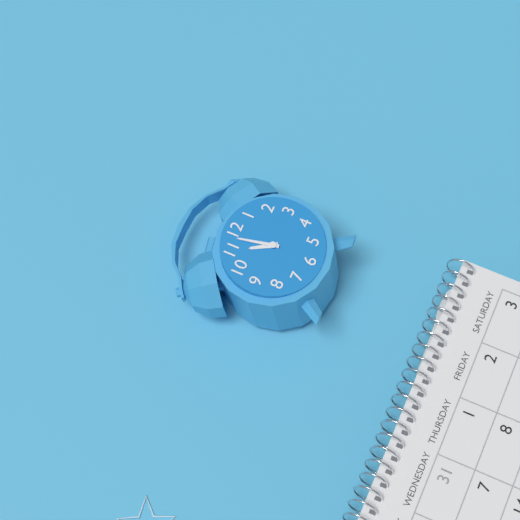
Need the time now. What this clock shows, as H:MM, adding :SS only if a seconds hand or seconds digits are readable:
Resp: 10:58
